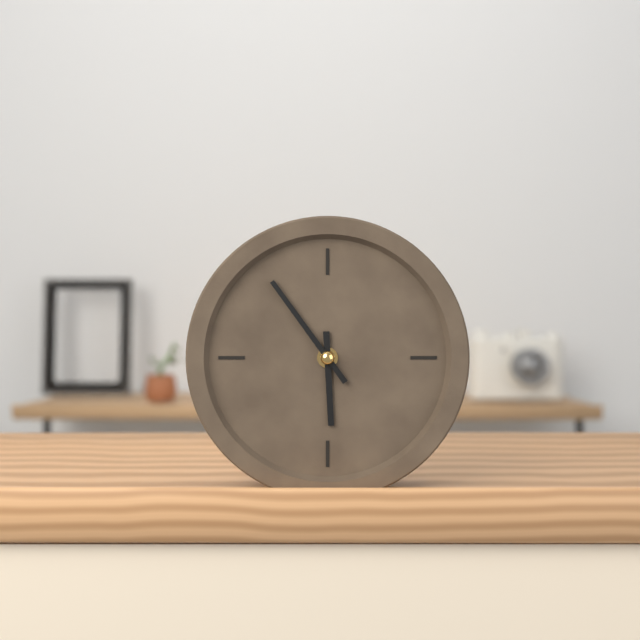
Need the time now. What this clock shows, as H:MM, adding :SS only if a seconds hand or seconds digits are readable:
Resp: 5:54
